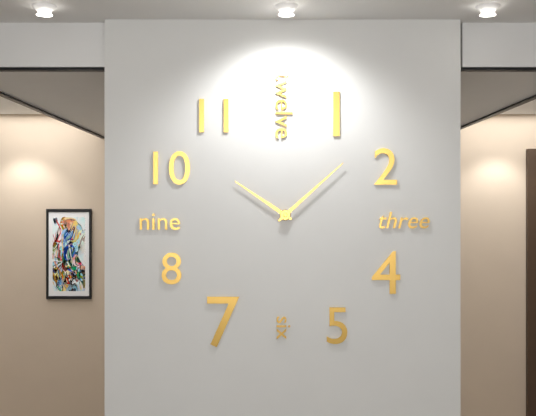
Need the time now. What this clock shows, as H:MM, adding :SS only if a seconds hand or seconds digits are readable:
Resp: 10:08
